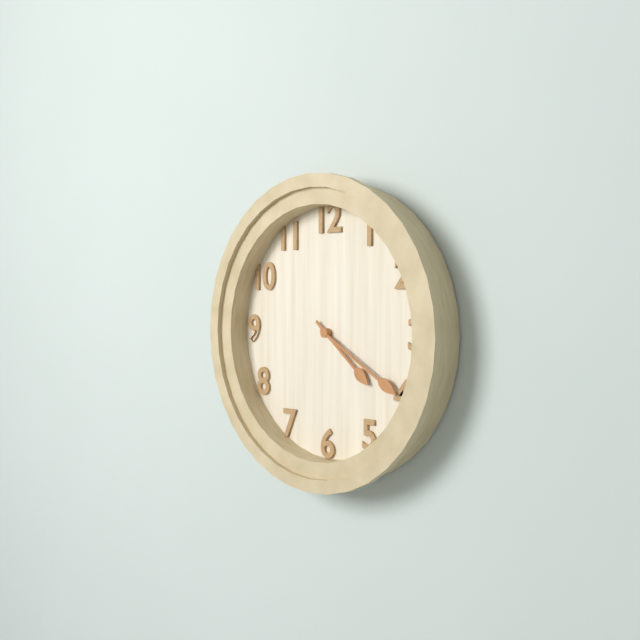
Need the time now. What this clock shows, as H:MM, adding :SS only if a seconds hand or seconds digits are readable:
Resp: 4:20
